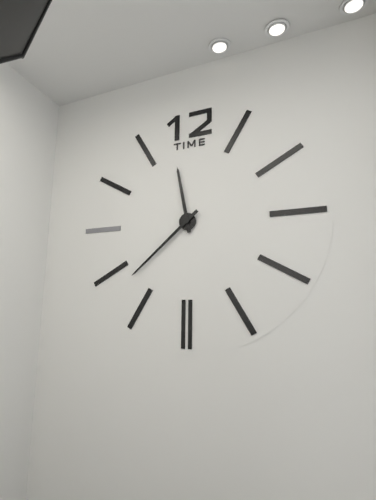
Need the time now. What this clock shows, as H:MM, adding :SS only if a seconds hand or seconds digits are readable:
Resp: 11:38
